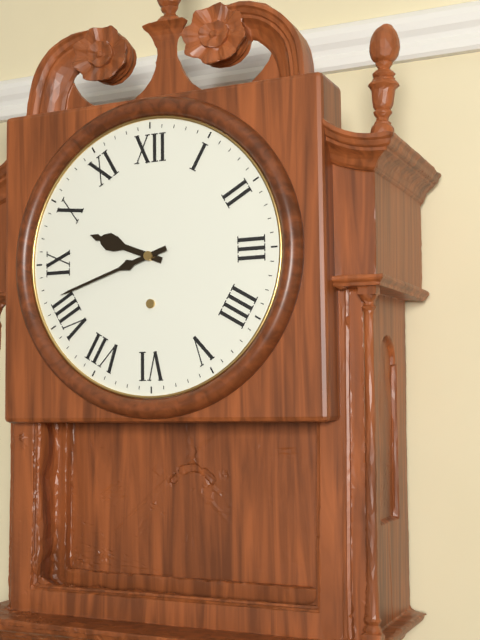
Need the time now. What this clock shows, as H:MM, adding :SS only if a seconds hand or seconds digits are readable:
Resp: 9:42
